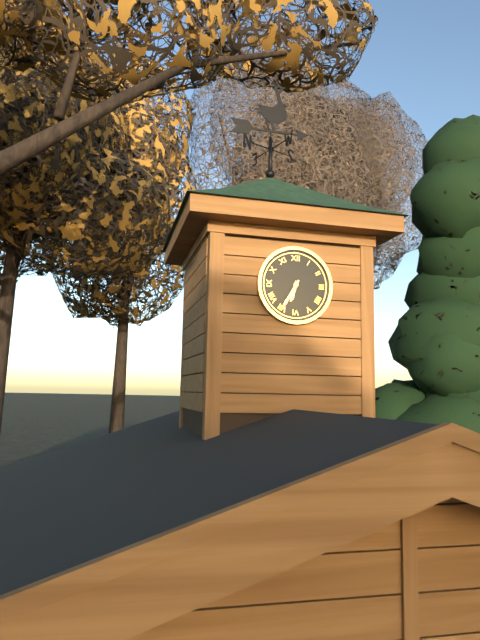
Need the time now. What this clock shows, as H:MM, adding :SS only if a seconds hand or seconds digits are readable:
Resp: 6:35
